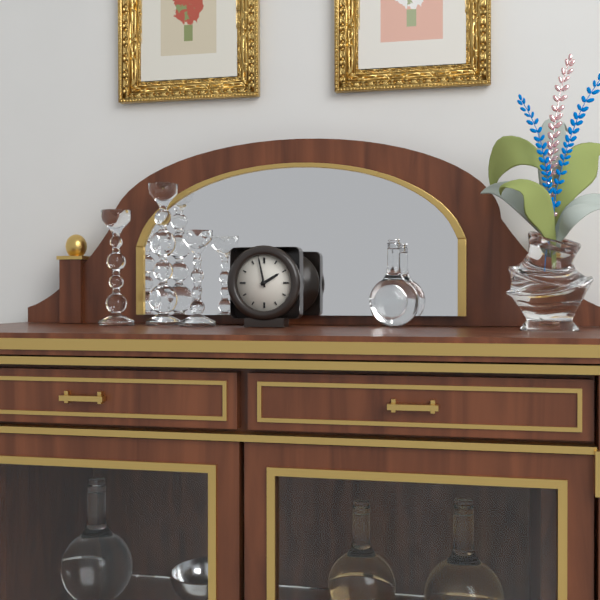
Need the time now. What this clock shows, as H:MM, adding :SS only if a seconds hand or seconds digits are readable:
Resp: 1:58
